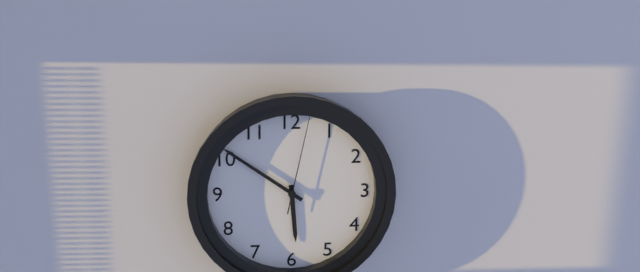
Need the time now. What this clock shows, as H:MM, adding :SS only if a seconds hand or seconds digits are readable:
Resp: 5:51:02
